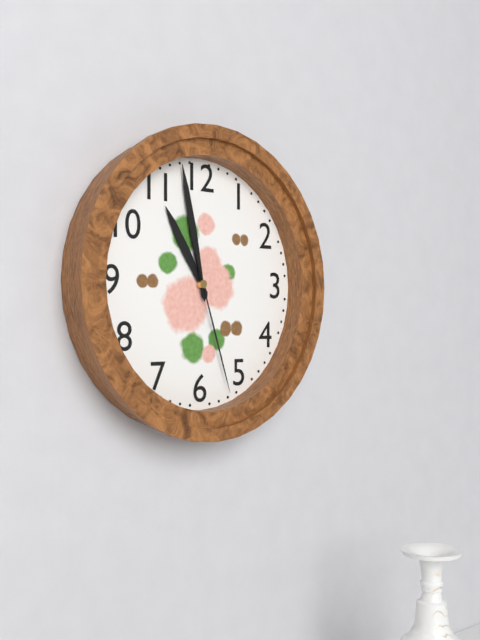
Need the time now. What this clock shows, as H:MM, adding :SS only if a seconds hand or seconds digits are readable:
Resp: 10:58:27
